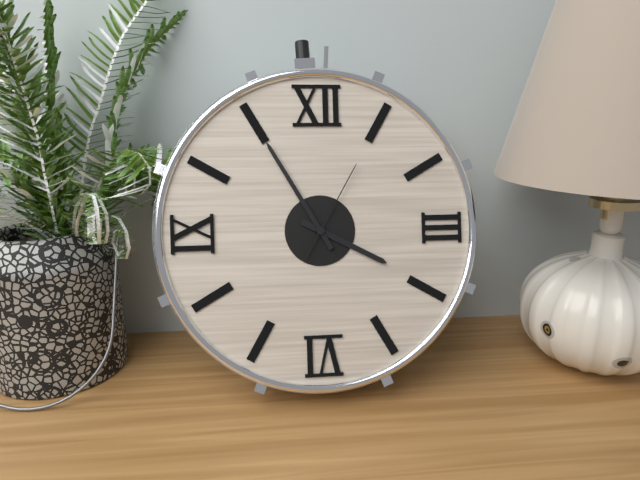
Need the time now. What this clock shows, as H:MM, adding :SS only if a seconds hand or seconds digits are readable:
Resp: 3:55:05
